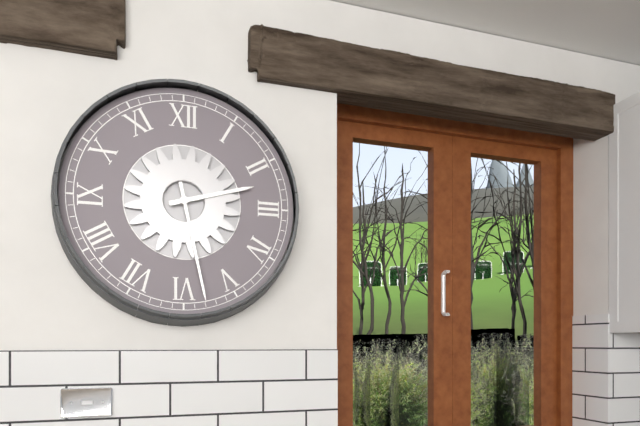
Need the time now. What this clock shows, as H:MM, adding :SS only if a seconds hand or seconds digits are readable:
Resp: 2:28
